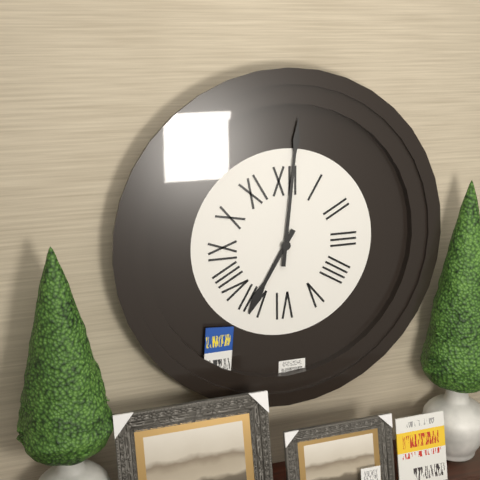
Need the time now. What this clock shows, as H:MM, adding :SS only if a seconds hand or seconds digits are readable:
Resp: 7:01
